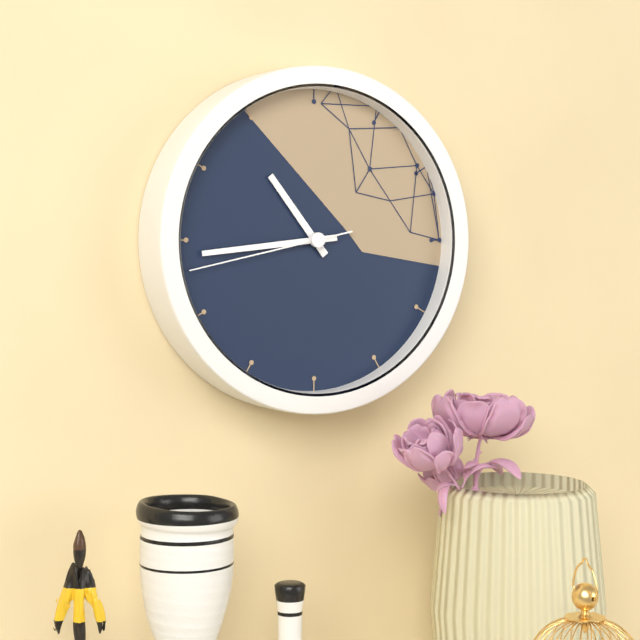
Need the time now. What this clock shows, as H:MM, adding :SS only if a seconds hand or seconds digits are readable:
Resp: 10:44:43
